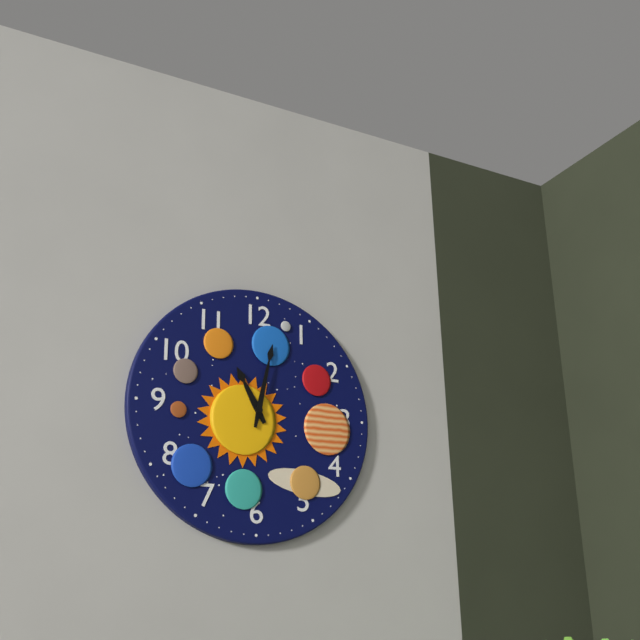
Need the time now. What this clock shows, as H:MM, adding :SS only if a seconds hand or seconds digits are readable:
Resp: 11:02
